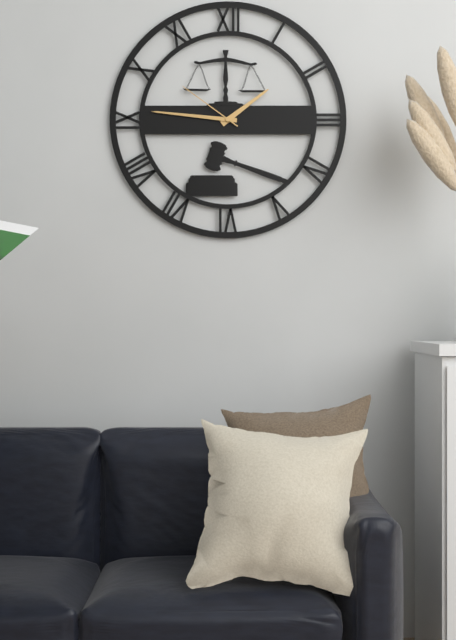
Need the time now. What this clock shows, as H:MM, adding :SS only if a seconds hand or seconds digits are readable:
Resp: 1:46:51
